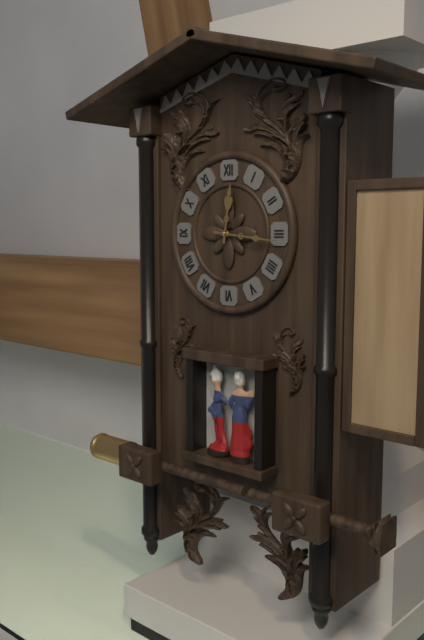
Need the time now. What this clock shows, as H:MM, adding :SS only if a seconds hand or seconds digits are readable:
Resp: 12:16
